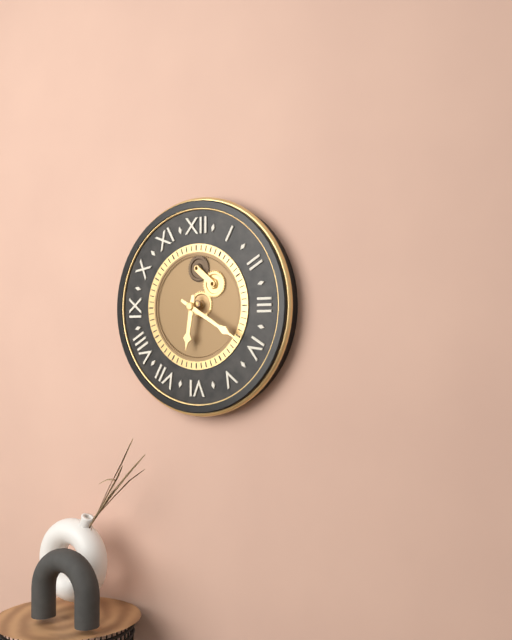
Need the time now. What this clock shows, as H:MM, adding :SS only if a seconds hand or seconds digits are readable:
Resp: 6:20
